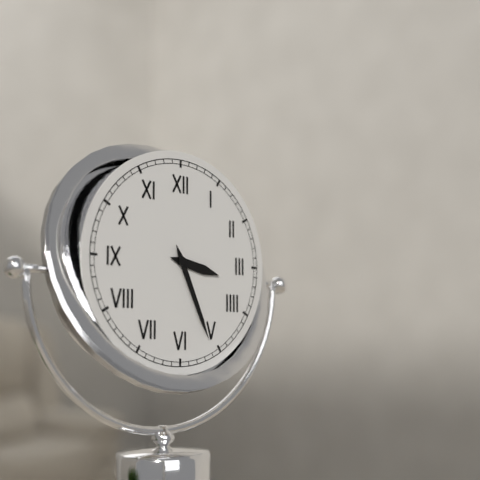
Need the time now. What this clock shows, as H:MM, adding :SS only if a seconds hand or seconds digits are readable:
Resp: 3:26
